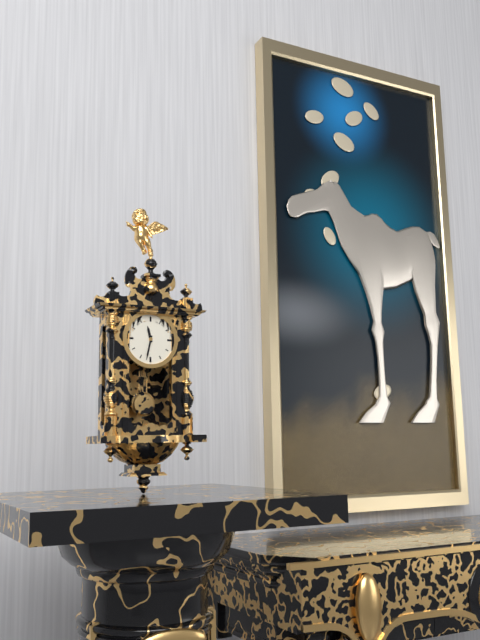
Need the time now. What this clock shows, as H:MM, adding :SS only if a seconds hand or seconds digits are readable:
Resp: 11:32
